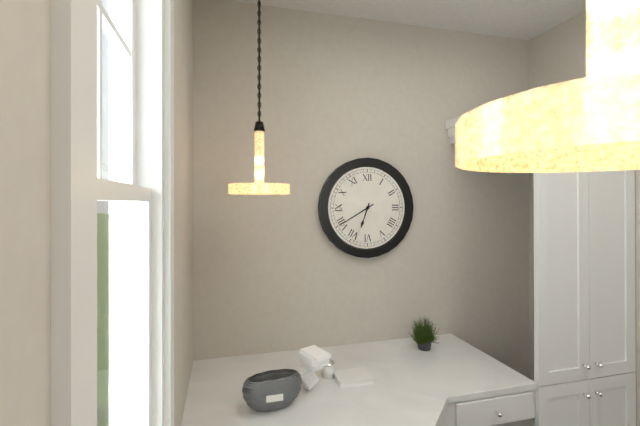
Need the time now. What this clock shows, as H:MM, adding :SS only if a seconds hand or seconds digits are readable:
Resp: 6:40
